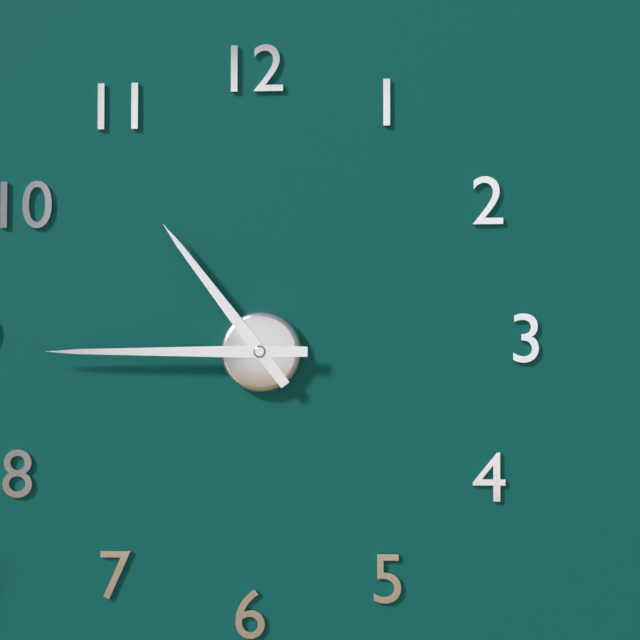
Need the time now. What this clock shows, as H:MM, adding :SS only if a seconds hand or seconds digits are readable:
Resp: 10:45
